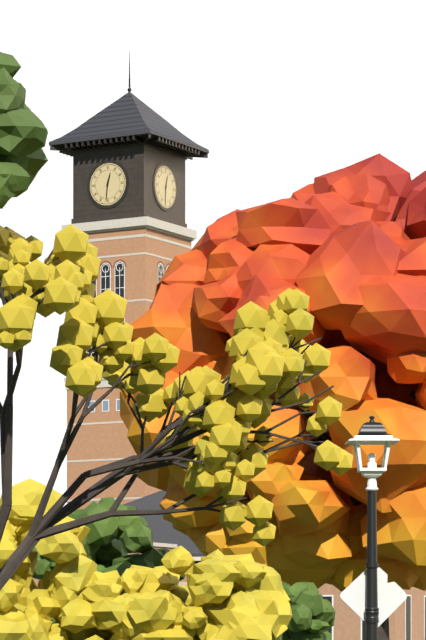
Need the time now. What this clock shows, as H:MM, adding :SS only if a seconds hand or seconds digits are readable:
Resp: 12:31
